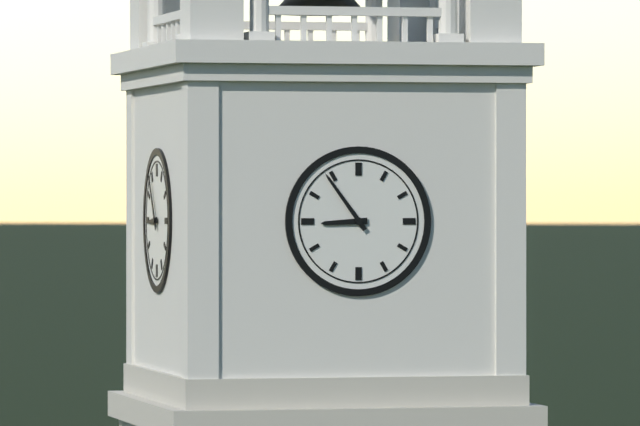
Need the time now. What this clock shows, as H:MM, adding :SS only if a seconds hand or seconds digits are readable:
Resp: 8:54
